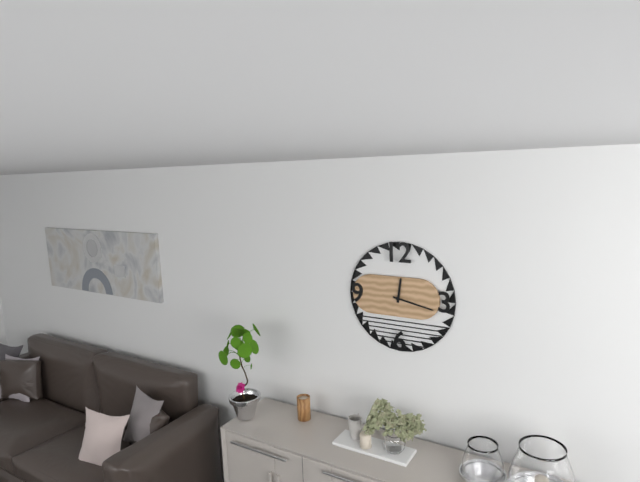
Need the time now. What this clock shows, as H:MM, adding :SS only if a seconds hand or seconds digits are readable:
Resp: 12:17
